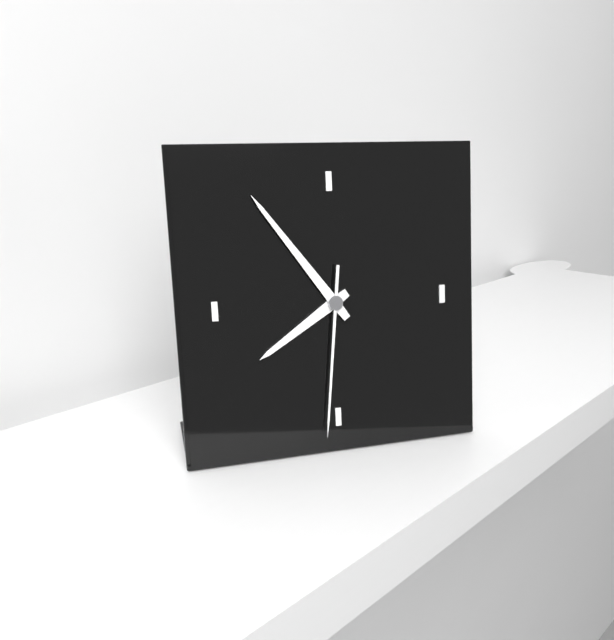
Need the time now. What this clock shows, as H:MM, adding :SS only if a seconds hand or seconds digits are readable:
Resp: 7:54:31
